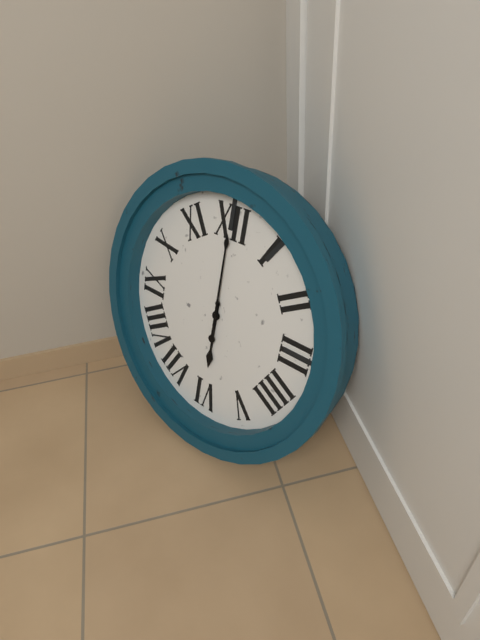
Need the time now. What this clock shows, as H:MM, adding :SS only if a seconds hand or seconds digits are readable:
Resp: 6:00
